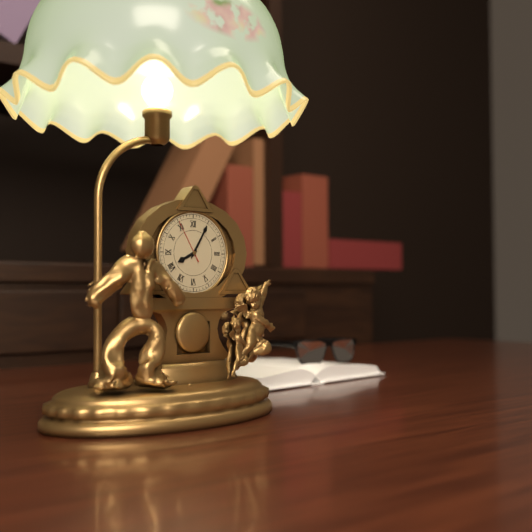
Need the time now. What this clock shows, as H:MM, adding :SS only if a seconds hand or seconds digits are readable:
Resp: 8:05
